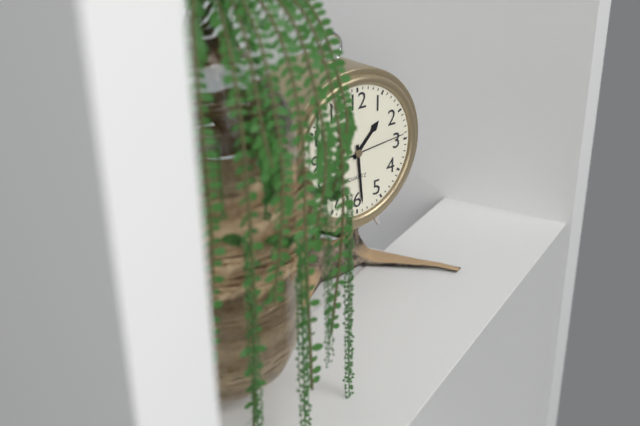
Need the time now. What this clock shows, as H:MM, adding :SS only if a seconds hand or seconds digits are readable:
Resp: 1:29:14
